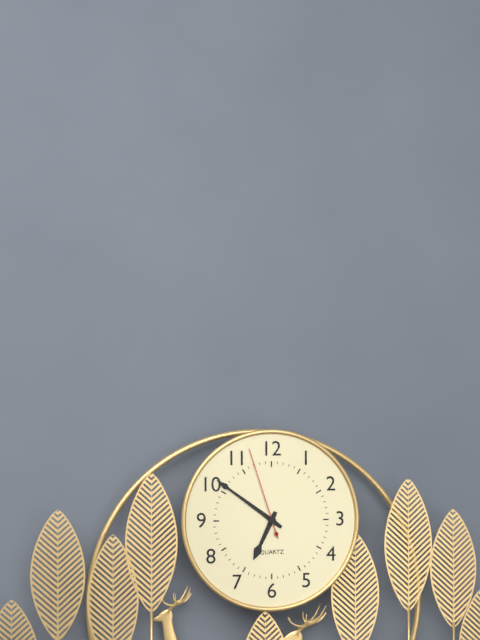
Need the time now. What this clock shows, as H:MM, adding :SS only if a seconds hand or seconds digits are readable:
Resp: 6:51:57
